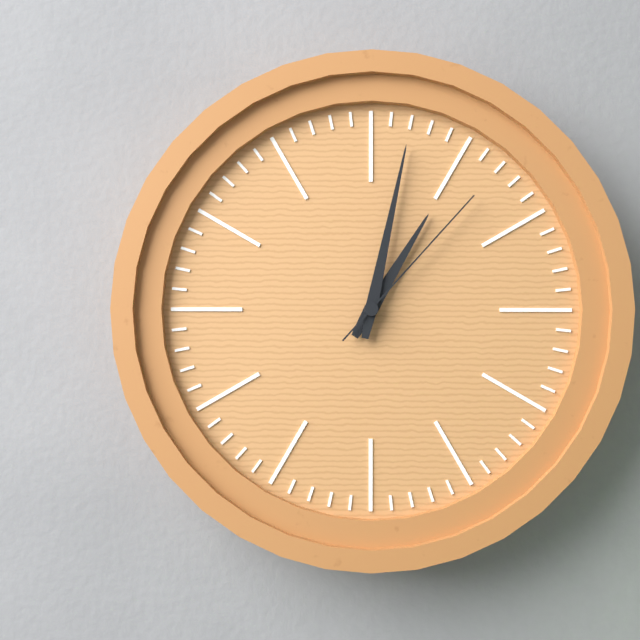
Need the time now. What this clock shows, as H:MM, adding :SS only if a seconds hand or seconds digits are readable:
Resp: 1:02:07
